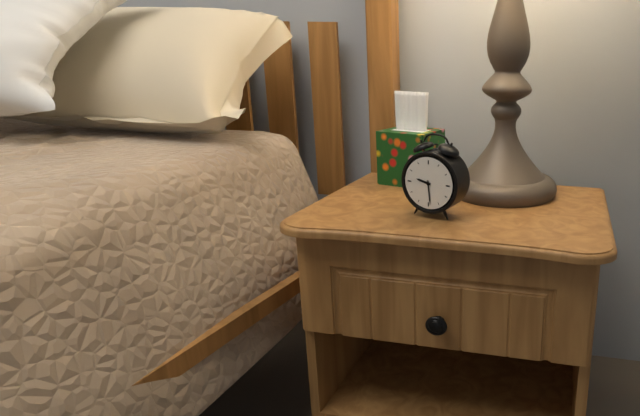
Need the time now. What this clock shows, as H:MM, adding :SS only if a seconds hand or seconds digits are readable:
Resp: 9:29
